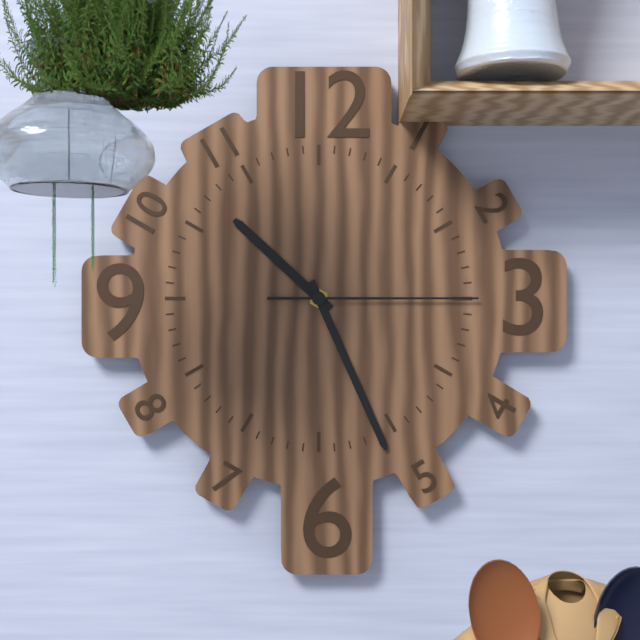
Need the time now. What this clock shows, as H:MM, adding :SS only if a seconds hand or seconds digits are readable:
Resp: 10:26:15
